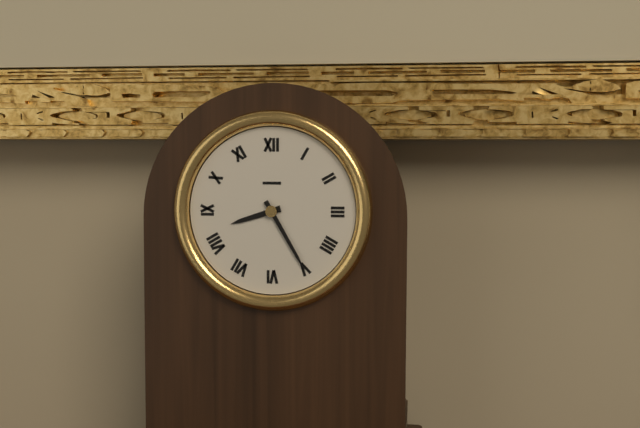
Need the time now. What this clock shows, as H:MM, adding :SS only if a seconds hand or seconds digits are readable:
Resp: 8:25
